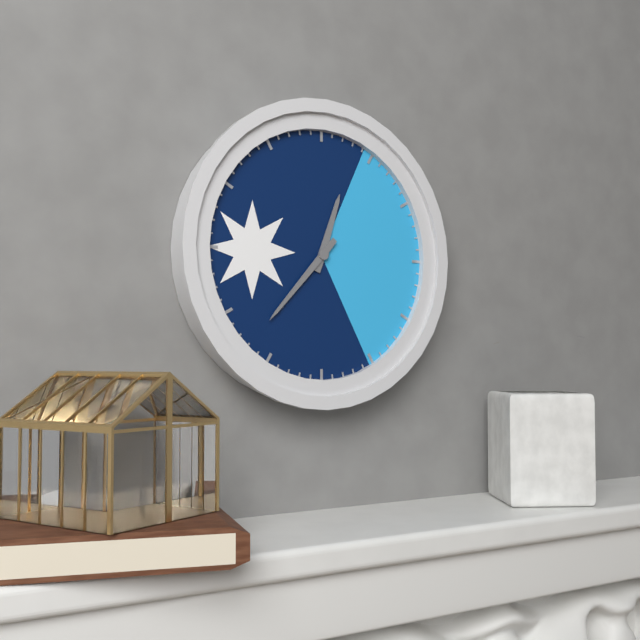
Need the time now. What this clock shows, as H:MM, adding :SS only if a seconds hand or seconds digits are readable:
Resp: 12:37
